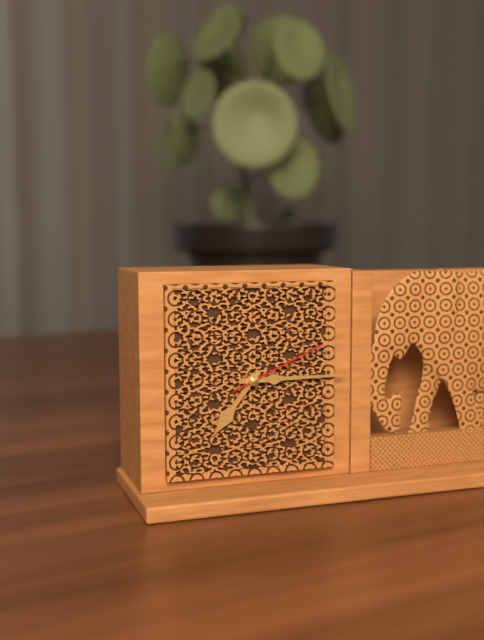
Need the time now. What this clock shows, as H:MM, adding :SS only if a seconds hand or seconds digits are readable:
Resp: 7:15:11
